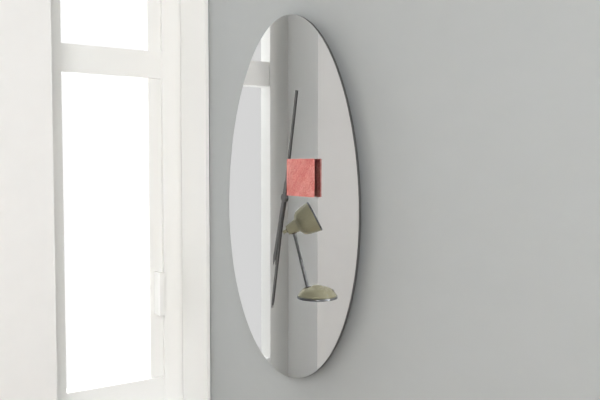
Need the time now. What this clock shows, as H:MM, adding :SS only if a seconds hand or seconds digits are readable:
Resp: 6:32
